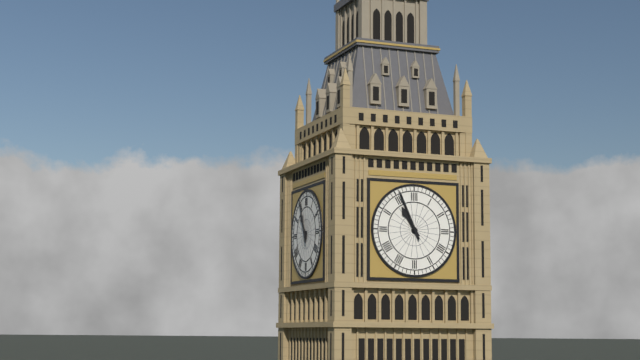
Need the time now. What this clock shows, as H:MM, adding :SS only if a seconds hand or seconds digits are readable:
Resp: 10:56
